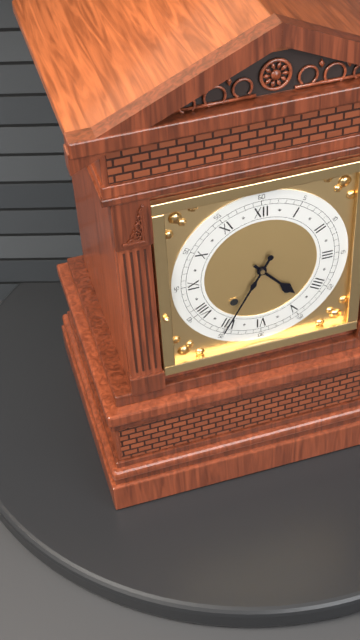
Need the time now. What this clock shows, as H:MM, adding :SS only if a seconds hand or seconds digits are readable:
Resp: 4:35
